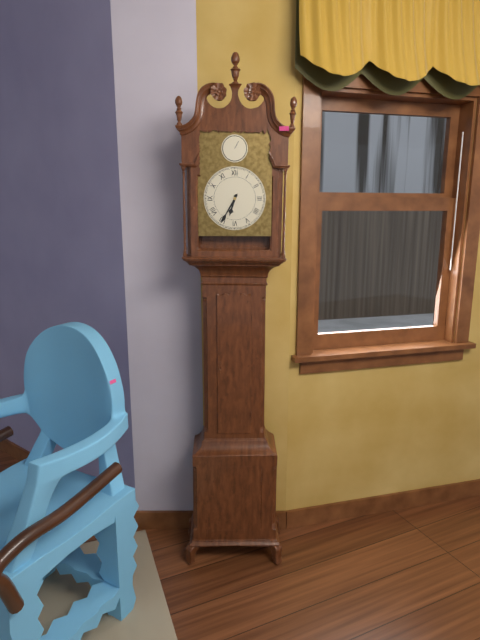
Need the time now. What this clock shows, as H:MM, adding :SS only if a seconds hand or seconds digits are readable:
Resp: 6:35
